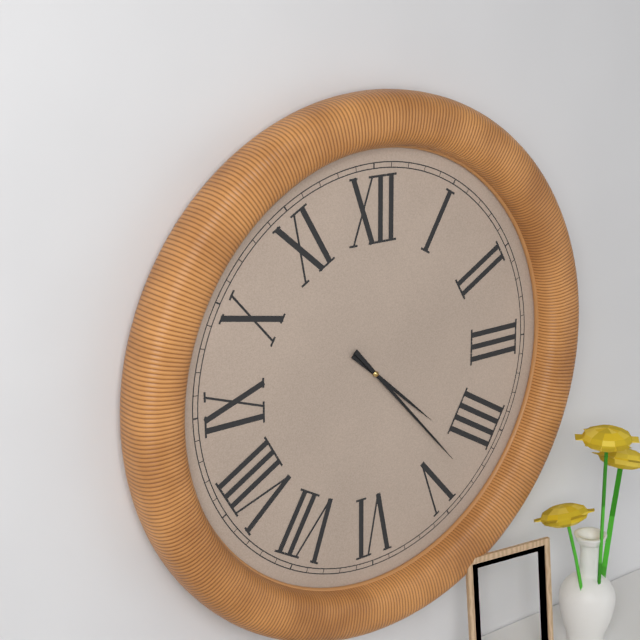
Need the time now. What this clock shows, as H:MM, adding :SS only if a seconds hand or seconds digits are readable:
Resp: 4:23
